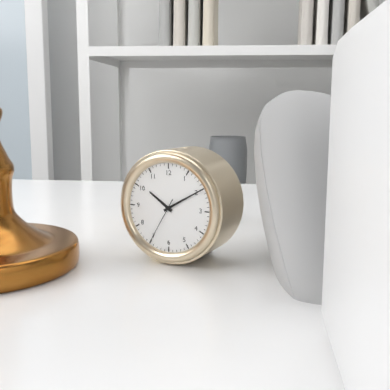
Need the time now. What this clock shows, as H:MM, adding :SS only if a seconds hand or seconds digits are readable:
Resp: 10:10:35
